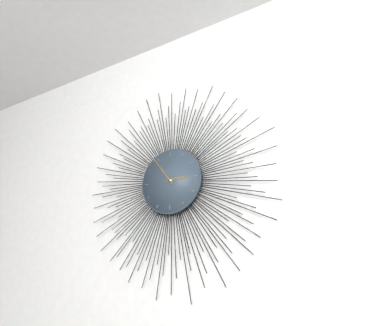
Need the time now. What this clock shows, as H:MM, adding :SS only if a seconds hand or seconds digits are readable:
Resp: 2:54
